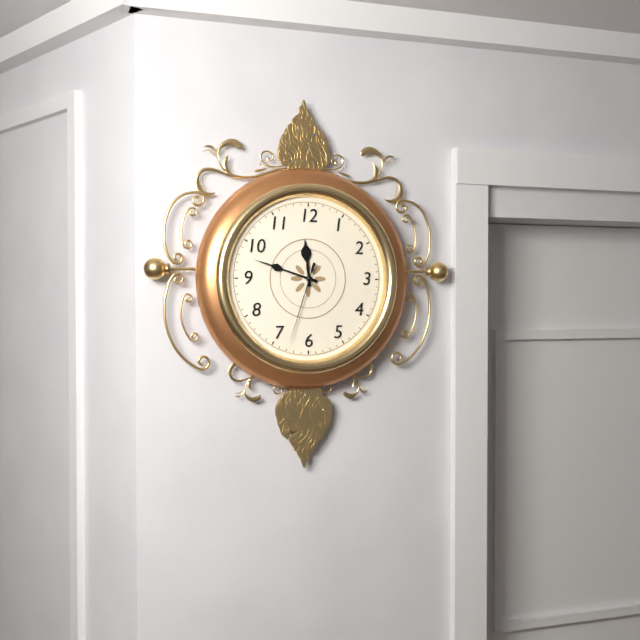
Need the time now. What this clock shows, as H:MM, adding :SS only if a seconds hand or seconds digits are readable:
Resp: 11:48:33
